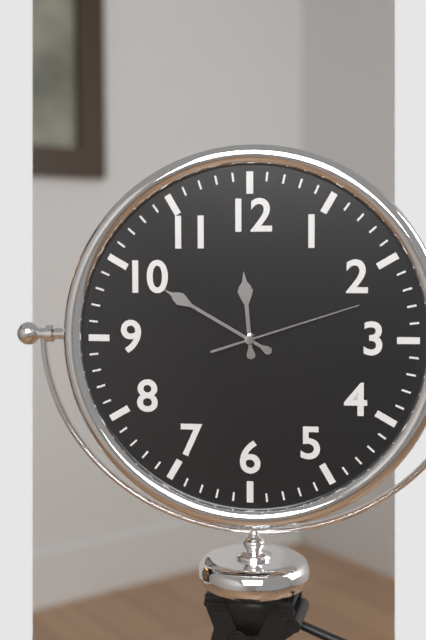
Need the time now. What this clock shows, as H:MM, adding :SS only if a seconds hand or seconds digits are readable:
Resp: 11:50:12
